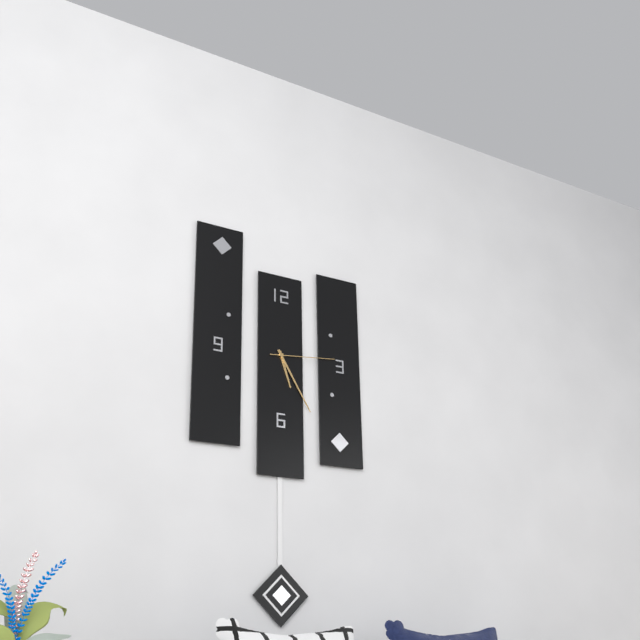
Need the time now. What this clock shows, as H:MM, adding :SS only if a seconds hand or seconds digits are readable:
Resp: 5:25:14
